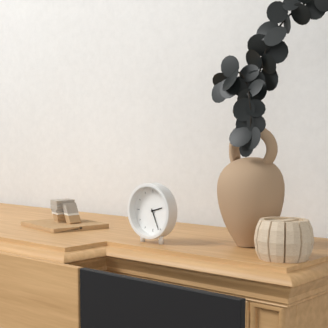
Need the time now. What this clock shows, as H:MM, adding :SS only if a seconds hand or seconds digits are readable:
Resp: 2:26
